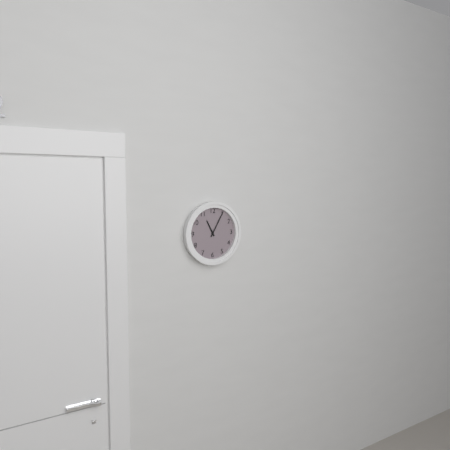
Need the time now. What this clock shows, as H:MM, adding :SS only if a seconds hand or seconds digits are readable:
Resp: 11:05
